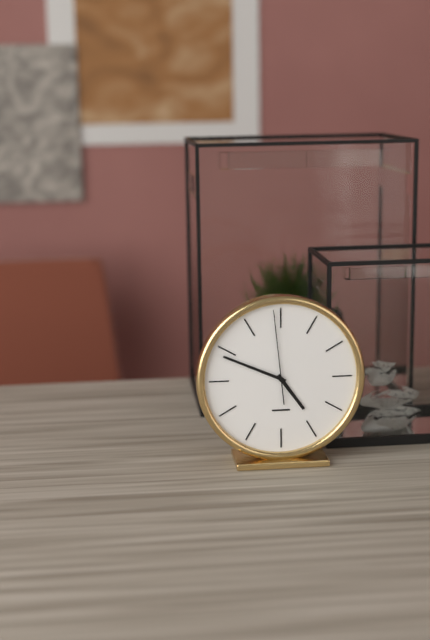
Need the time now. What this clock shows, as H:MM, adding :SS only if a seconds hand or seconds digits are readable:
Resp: 4:49:59
